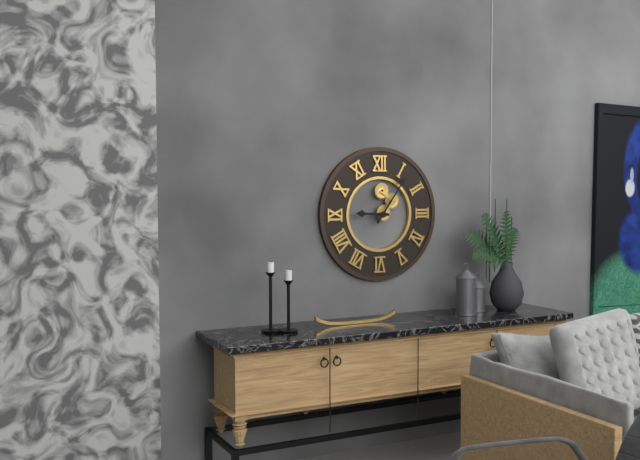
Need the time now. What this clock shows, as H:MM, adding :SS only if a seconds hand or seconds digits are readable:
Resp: 9:06
